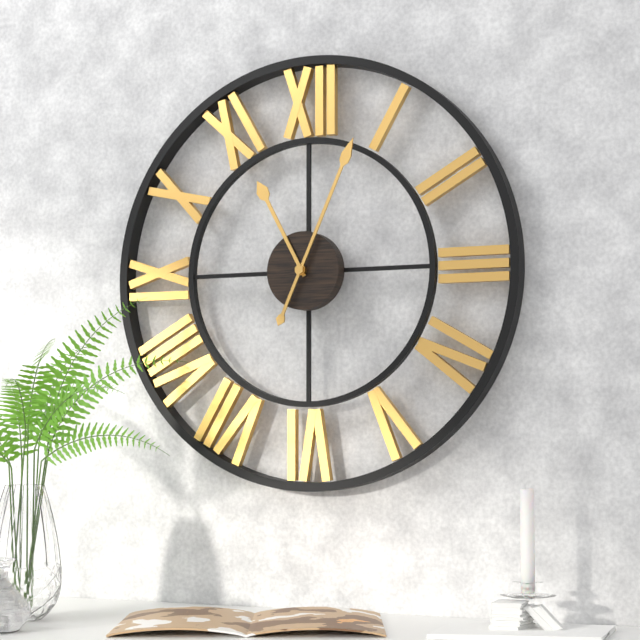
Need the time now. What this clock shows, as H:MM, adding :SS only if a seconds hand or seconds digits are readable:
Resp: 11:04
